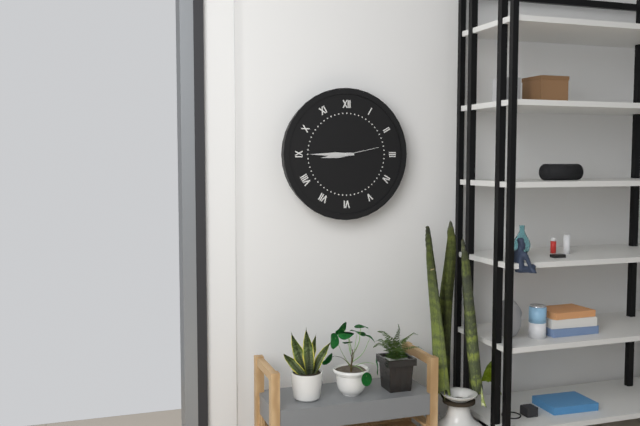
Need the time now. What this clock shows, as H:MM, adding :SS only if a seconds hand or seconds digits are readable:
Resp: 8:45
